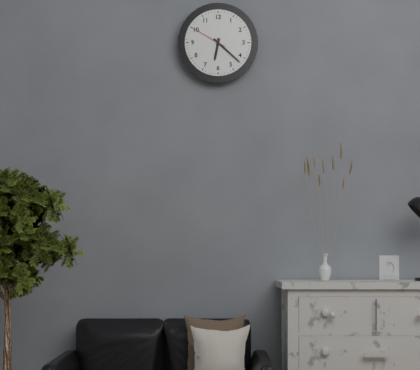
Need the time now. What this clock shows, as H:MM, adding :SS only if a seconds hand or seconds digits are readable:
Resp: 6:22
